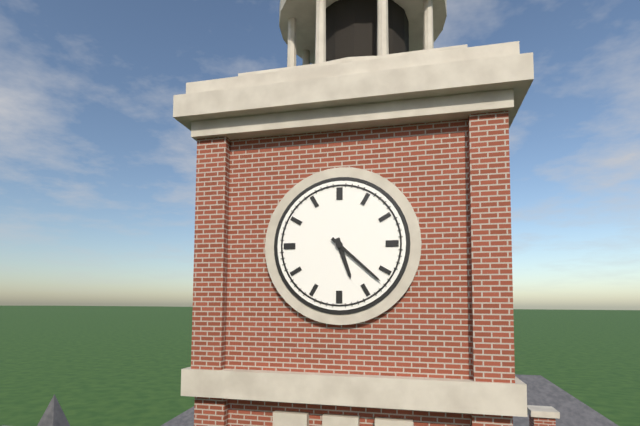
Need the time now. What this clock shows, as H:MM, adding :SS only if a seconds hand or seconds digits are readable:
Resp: 5:22
